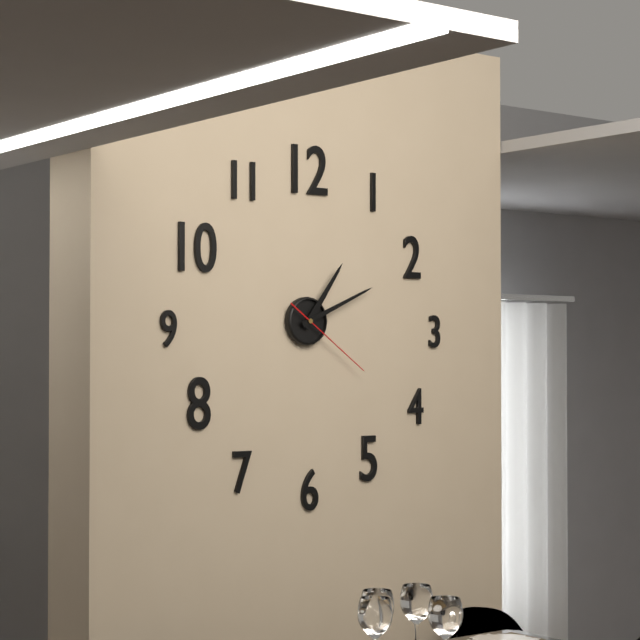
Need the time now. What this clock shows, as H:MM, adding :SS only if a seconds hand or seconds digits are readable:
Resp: 1:11:21
